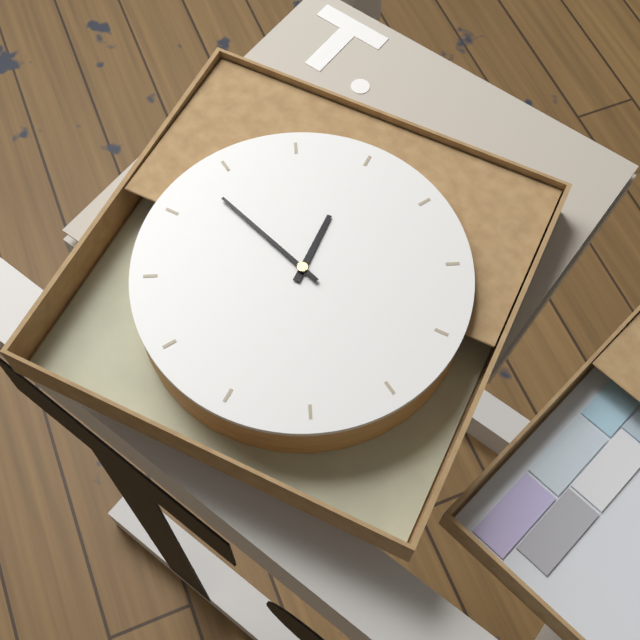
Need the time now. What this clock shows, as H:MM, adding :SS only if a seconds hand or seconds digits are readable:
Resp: 12:53
